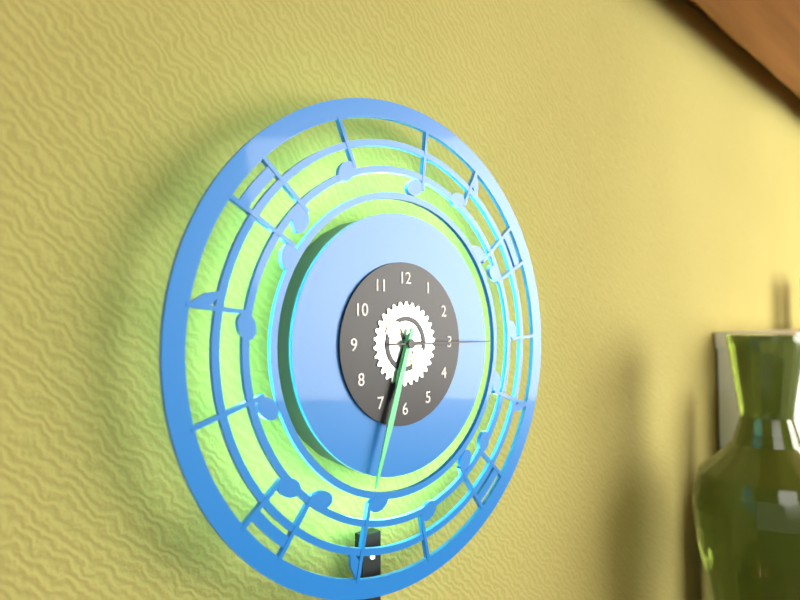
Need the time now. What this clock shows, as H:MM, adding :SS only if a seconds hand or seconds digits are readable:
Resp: 6:33:15
